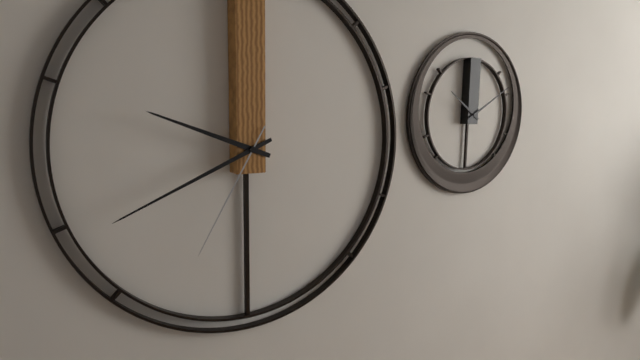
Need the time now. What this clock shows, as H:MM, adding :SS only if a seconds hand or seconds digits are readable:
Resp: 9:41:35
